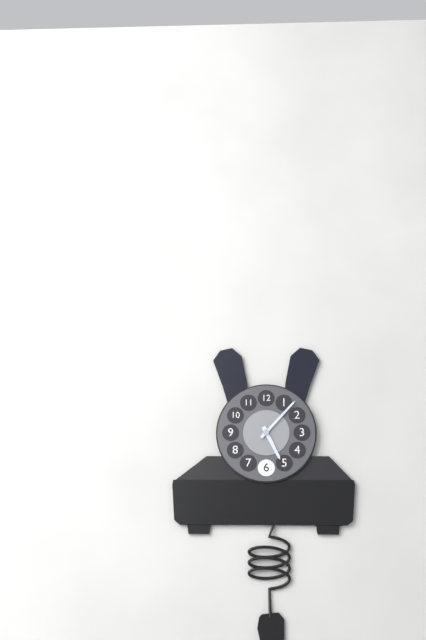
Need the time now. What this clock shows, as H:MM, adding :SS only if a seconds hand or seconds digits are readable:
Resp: 5:07
